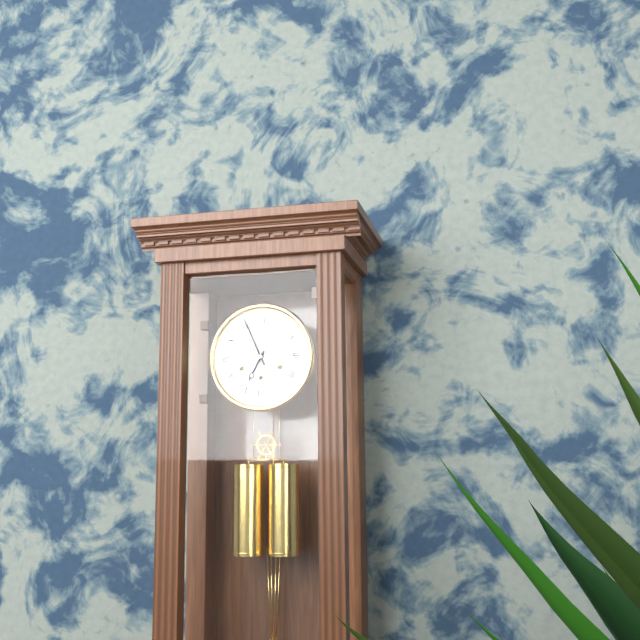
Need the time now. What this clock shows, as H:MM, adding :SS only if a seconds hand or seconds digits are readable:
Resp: 6:56
